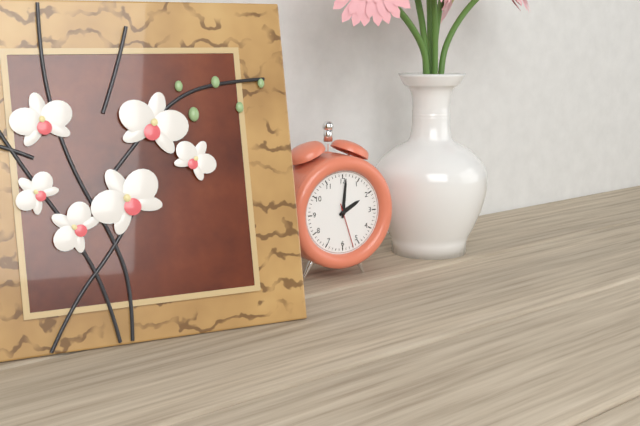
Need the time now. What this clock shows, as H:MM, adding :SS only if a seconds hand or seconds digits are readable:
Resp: 2:01
